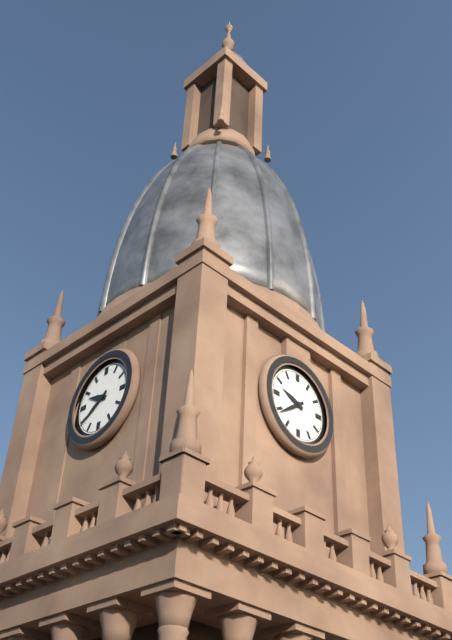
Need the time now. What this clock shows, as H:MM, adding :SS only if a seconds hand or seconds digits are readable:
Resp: 9:39
